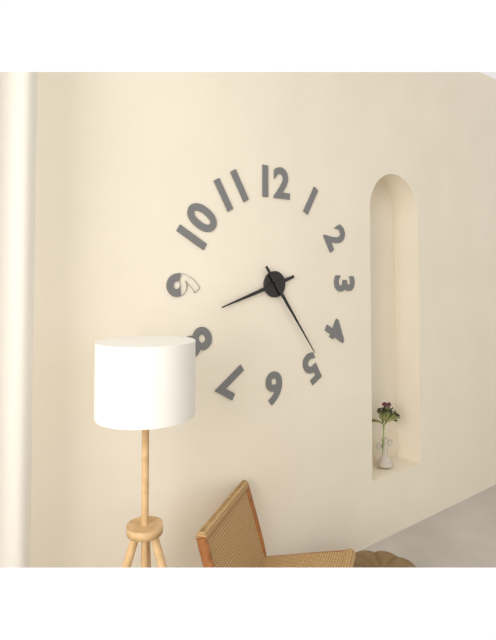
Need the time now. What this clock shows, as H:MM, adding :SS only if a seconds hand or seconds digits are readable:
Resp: 8:24
